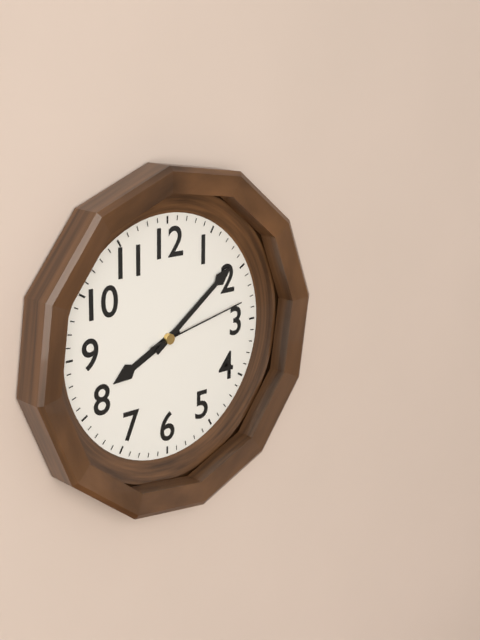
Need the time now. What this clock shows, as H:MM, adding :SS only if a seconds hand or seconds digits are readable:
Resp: 8:09:13
